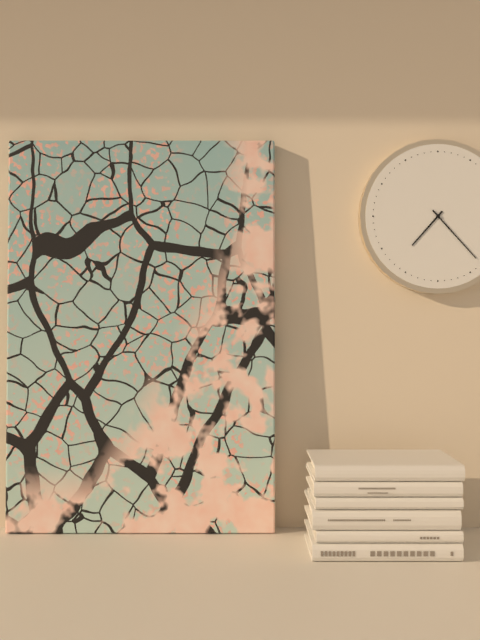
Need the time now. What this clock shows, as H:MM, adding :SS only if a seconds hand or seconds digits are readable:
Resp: 7:23
